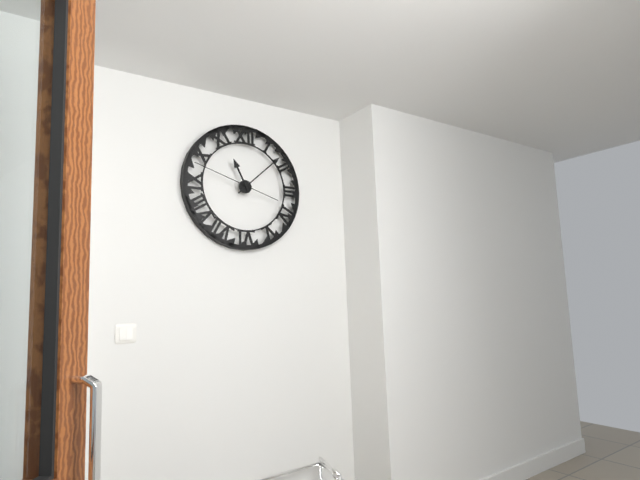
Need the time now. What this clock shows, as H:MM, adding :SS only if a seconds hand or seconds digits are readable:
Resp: 11:08:48
